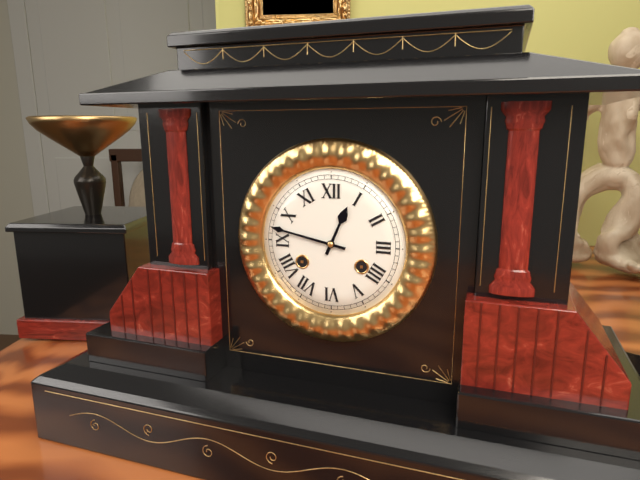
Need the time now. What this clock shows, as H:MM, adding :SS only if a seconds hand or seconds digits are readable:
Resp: 12:47
